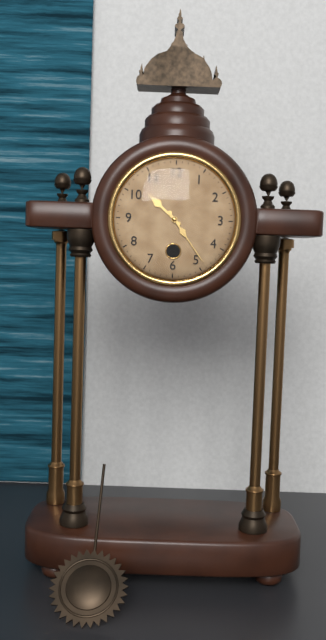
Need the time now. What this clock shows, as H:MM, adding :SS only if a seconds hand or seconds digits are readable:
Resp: 10:24
